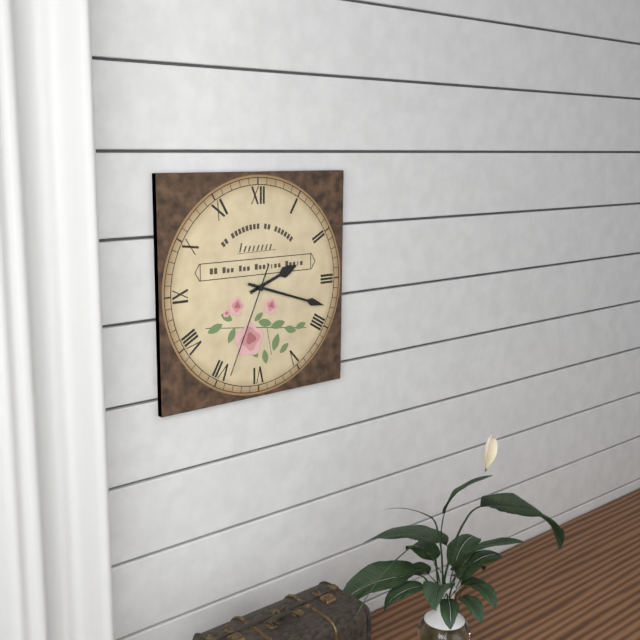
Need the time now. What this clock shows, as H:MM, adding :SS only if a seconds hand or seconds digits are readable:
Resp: 2:18:34
